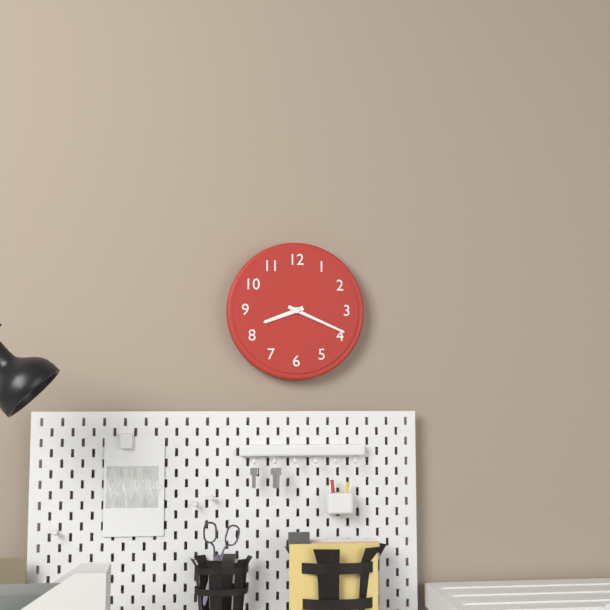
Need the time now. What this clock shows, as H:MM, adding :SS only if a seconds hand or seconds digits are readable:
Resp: 8:19
